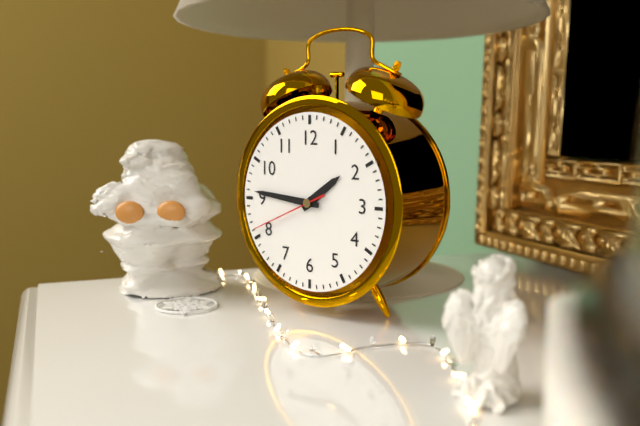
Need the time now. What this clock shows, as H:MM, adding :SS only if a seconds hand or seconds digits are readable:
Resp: 1:46:41
